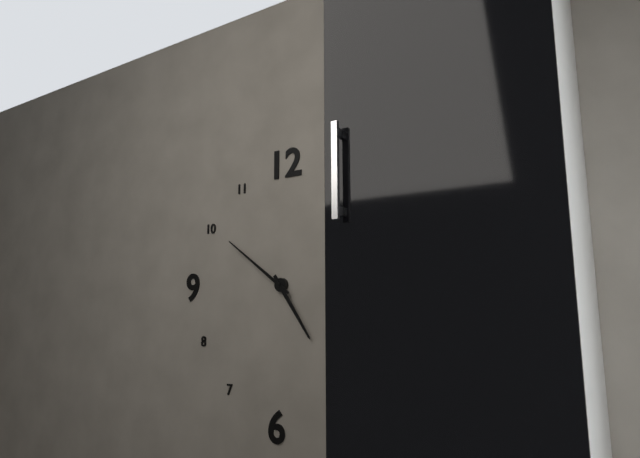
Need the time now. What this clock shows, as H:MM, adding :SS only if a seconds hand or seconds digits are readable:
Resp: 4:51
